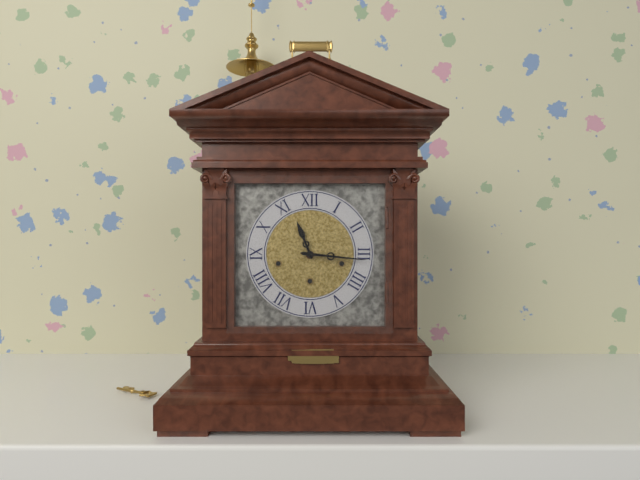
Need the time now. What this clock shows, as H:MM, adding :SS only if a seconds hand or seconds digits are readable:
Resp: 11:16
